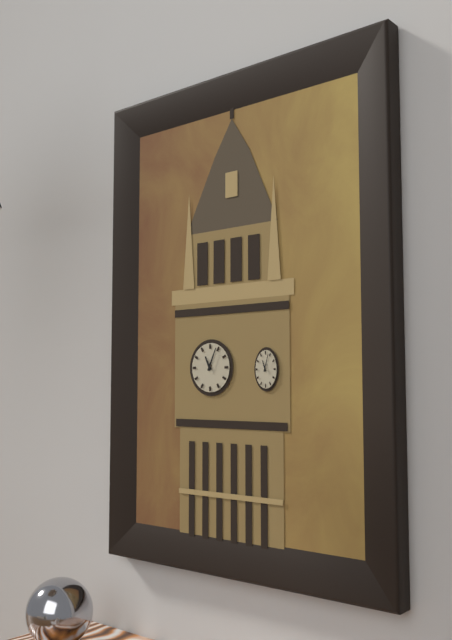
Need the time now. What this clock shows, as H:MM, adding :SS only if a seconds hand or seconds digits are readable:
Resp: 11:04
